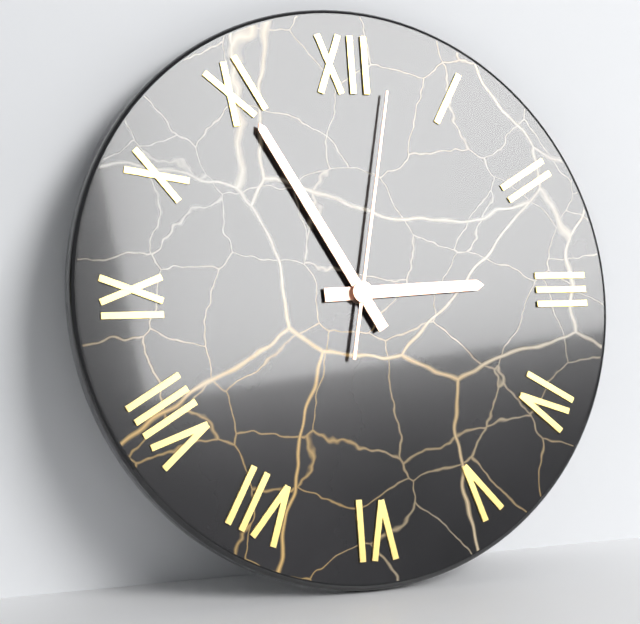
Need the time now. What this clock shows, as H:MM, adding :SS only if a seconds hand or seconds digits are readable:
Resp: 2:55:02
